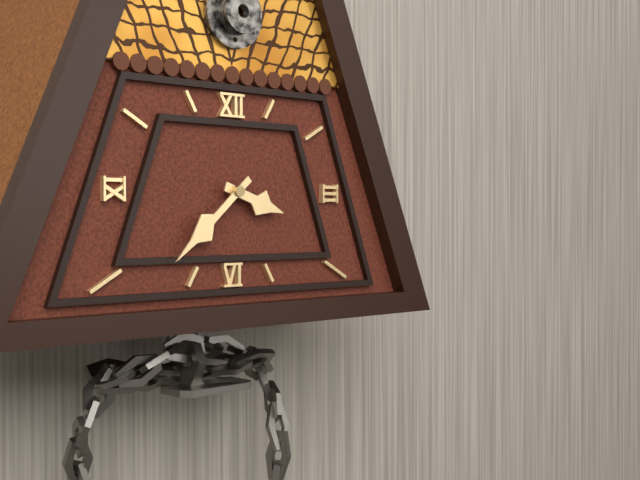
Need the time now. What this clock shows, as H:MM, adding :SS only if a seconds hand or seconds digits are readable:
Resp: 3:38
